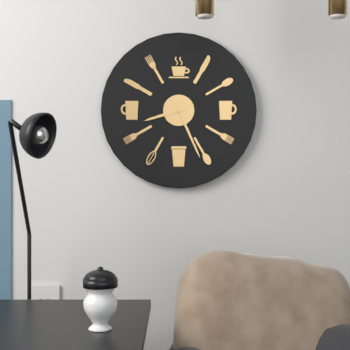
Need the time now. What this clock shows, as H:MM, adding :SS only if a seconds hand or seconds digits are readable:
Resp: 8:26
